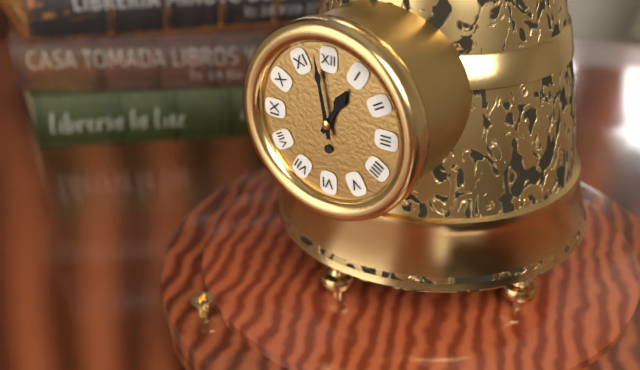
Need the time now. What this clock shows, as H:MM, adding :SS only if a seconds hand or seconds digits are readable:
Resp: 12:58
